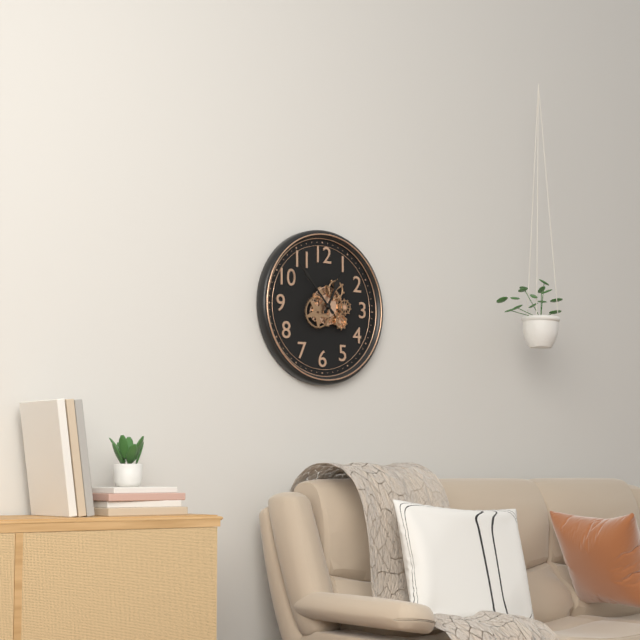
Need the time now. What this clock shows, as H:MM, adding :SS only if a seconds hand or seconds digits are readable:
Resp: 12:53
